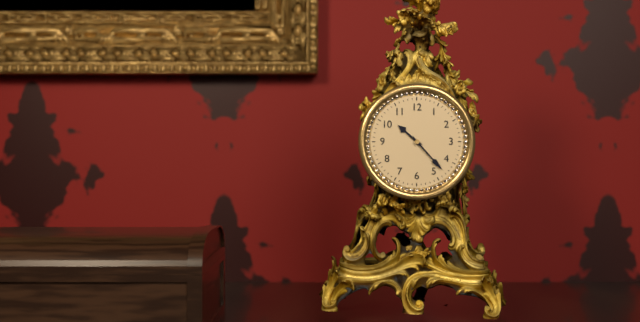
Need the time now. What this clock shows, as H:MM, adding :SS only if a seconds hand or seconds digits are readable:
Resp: 10:23
